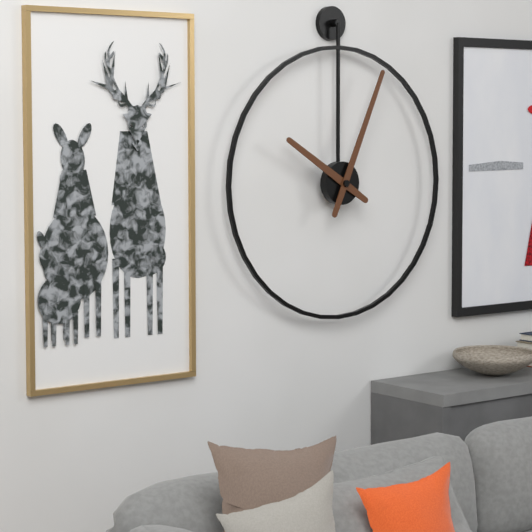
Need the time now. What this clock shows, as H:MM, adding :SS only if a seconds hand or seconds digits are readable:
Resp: 10:04
